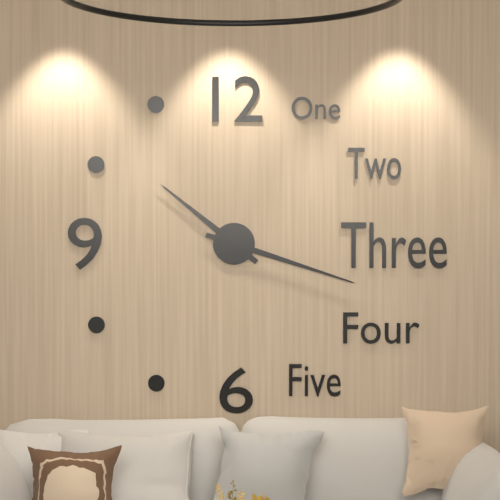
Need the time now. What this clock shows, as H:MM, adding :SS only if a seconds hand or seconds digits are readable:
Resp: 10:18
